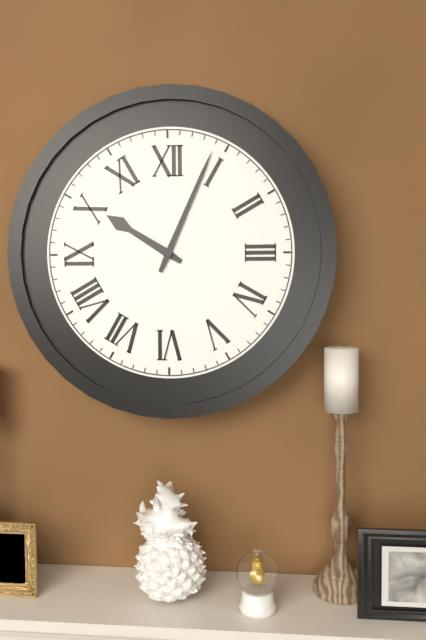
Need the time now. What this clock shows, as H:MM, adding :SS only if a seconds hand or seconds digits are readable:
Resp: 10:04
